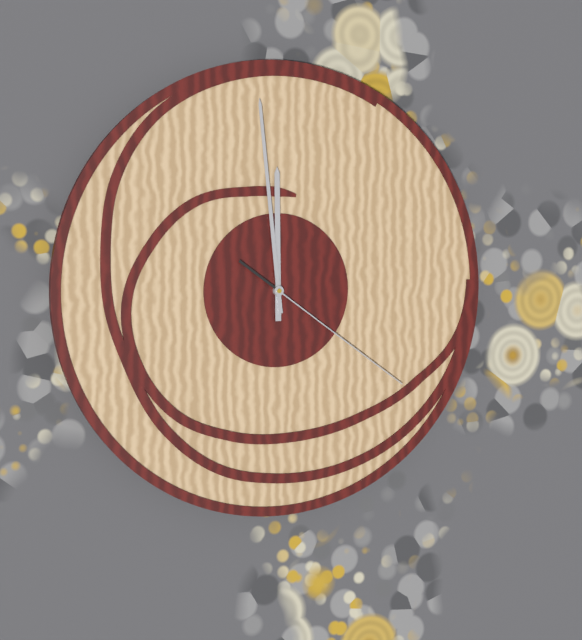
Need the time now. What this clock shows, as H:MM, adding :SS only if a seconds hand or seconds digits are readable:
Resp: 11:59:21
